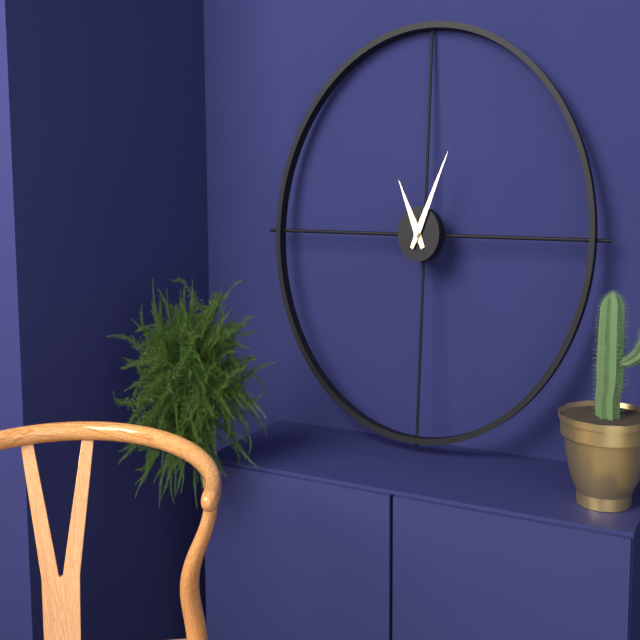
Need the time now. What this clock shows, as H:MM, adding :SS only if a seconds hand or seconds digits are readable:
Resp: 11:04
